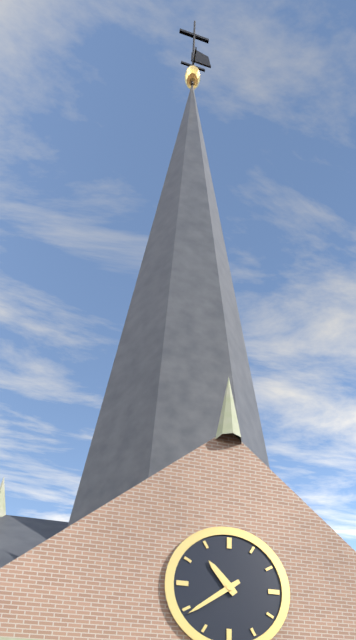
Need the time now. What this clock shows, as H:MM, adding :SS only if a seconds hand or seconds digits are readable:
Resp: 10:39
